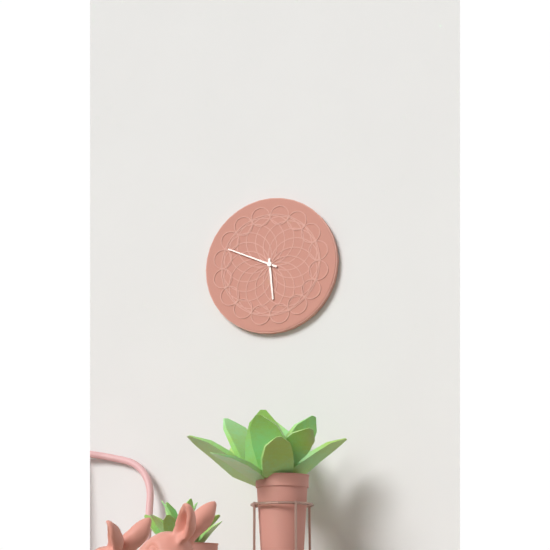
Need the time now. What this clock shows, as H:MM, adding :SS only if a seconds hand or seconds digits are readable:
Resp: 5:49
